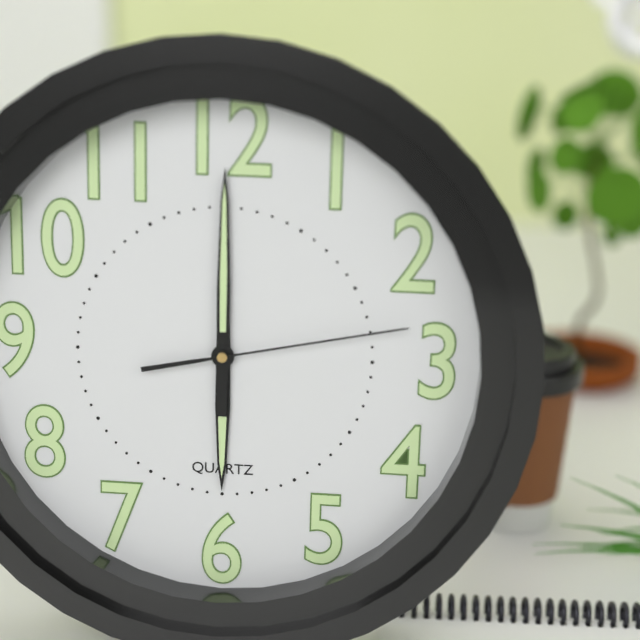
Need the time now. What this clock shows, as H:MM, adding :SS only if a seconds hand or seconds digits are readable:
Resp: 6:00:13
